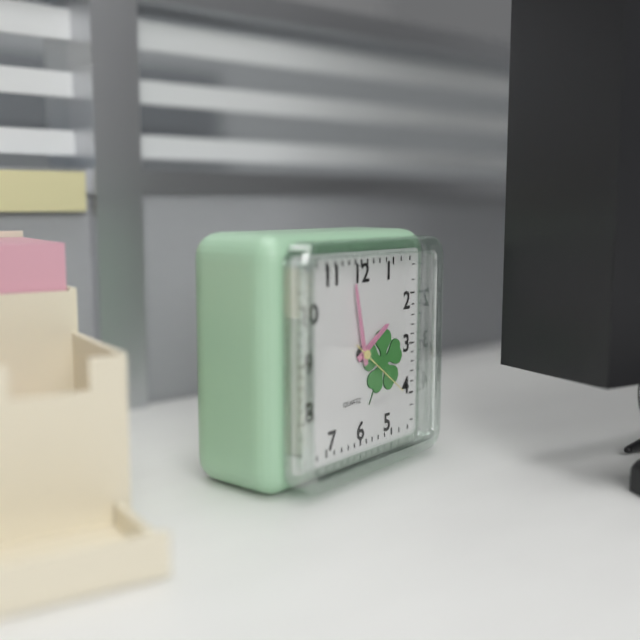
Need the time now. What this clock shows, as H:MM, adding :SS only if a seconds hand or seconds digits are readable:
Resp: 1:58:21
